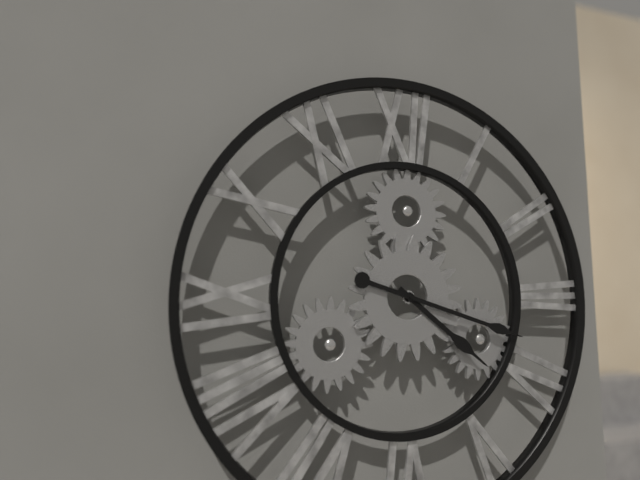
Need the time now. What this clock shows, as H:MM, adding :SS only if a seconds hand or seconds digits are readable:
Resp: 4:18
